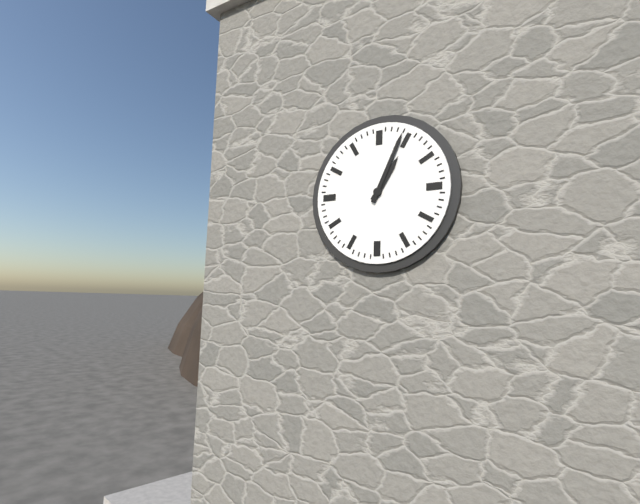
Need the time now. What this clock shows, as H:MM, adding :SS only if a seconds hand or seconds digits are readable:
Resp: 1:04
